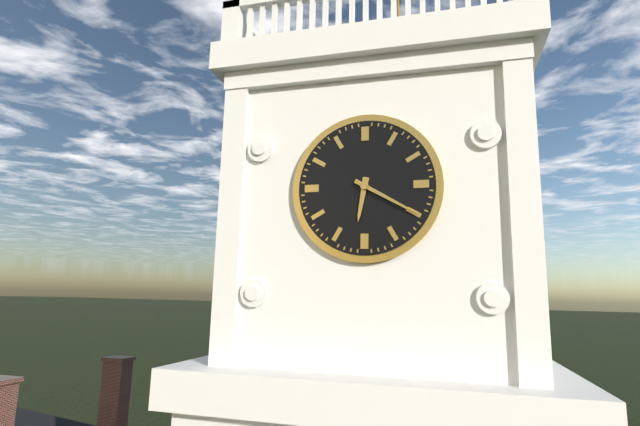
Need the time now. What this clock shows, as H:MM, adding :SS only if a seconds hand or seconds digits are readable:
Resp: 6:20
